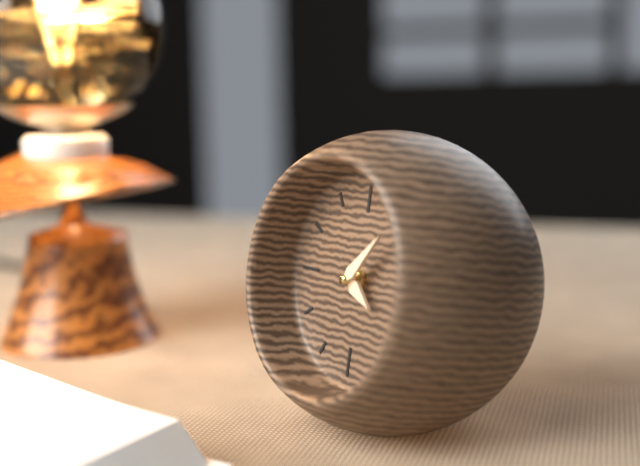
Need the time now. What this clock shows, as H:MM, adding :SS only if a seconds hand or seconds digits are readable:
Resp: 4:07
